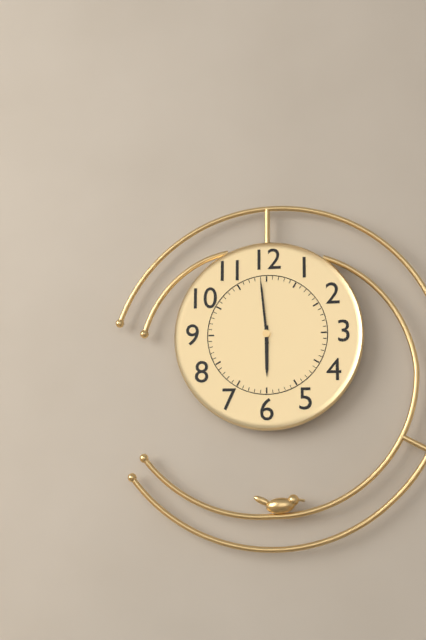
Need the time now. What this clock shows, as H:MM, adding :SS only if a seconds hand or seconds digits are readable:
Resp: 5:59
